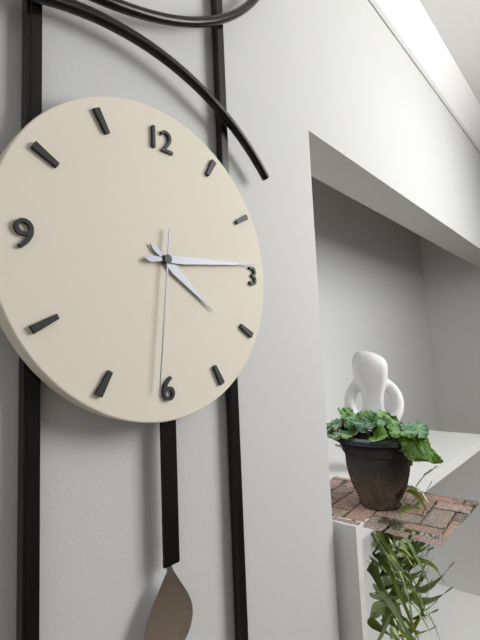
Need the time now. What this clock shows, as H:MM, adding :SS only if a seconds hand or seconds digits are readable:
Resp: 4:14:31
